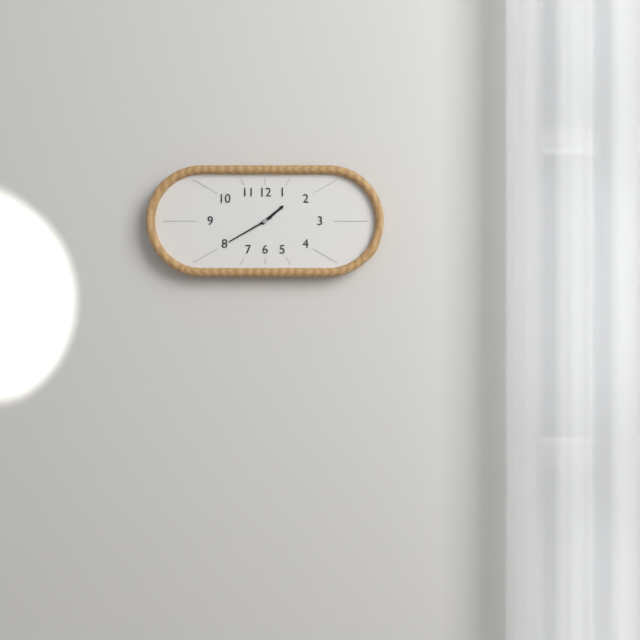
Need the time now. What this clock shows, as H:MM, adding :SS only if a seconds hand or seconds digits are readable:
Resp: 1:40
